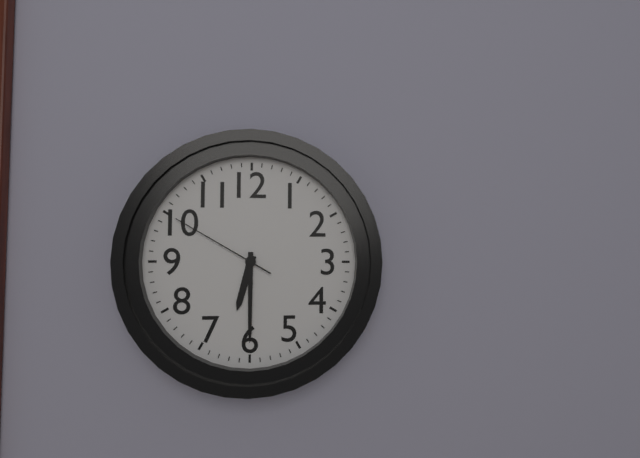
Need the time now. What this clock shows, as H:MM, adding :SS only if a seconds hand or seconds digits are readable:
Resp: 6:30:50
